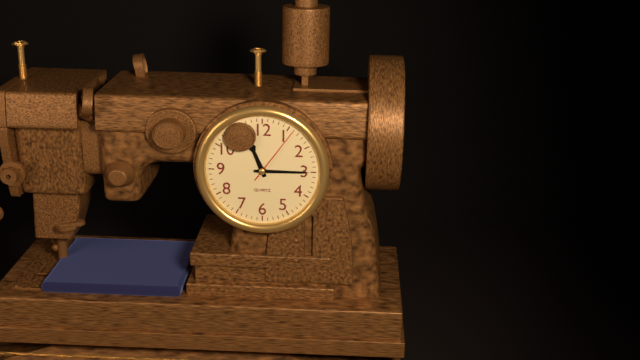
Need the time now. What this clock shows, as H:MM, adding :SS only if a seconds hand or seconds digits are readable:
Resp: 11:15:06
